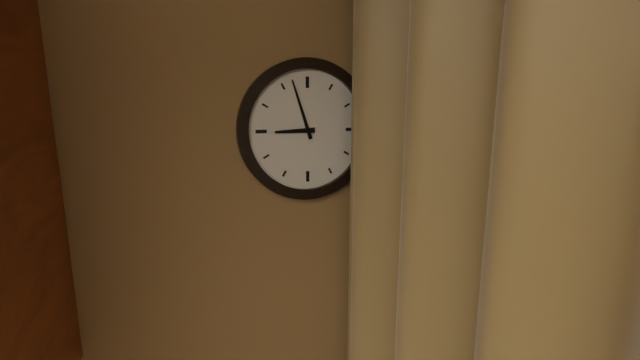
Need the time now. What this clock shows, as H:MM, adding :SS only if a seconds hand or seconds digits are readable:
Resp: 8:57
